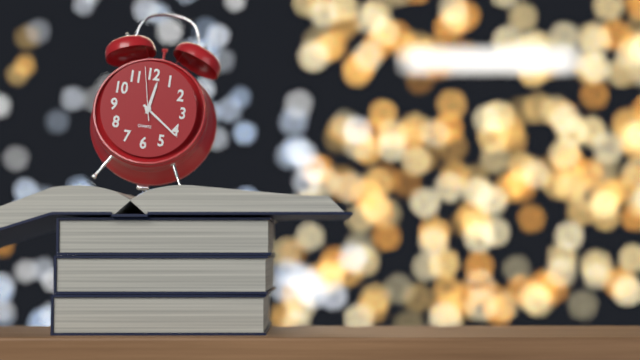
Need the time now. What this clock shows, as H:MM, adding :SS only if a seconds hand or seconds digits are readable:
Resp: 12:21:58
